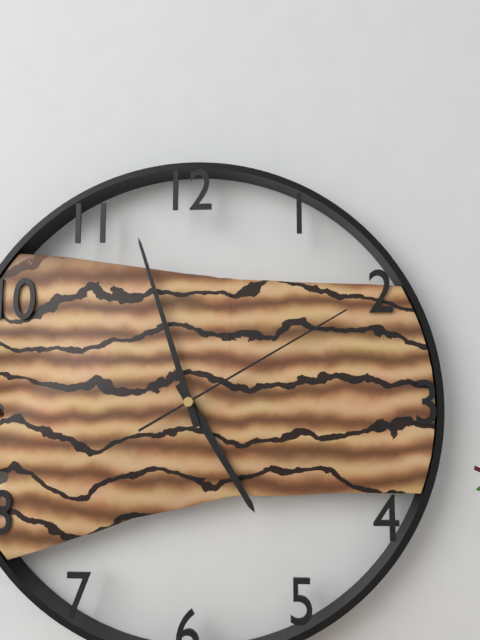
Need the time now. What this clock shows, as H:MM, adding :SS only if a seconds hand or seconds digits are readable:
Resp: 4:57:10
